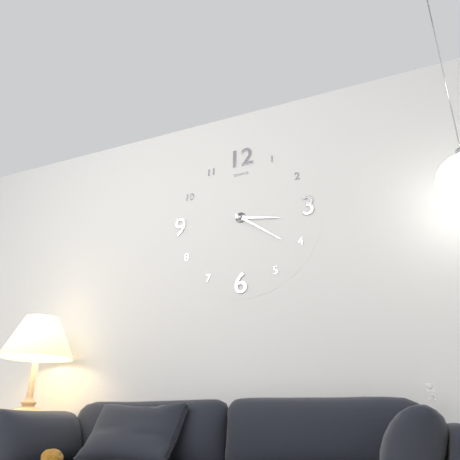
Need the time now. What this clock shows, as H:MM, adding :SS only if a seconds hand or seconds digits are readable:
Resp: 3:21
